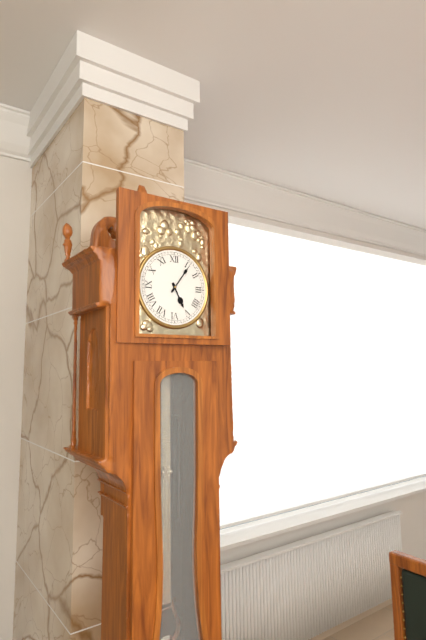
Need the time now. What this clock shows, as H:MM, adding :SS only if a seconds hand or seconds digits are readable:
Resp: 5:06
